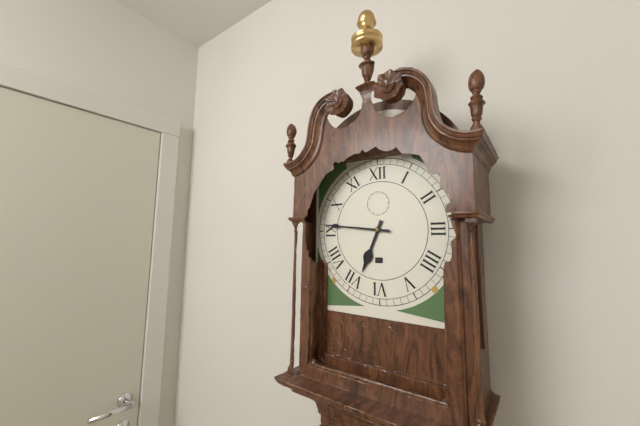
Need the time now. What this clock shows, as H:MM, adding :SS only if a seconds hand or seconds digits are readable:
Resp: 6:46
